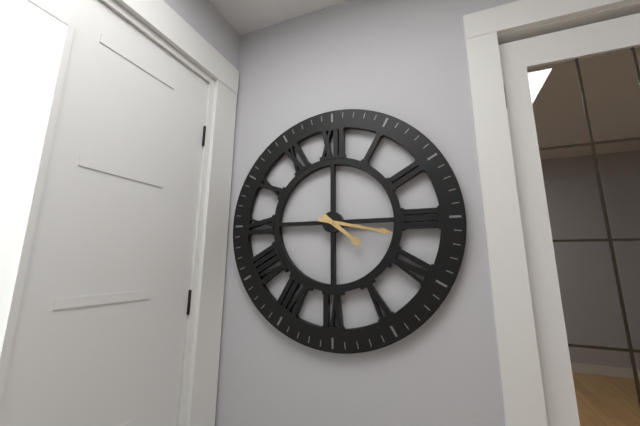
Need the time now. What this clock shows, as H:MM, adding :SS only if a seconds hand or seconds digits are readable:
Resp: 4:17
